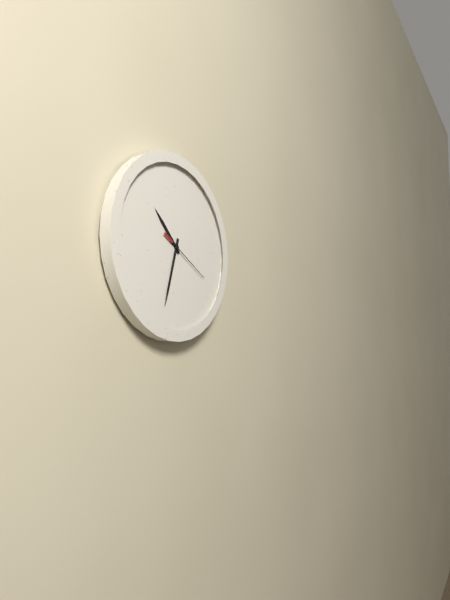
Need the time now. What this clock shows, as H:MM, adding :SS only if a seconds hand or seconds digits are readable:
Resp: 10:33:20
